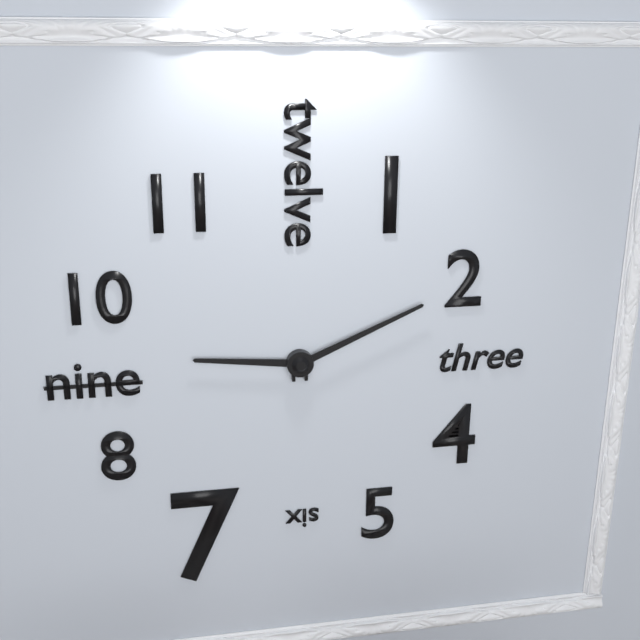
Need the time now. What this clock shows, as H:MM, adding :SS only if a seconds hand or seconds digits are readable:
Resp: 9:11
